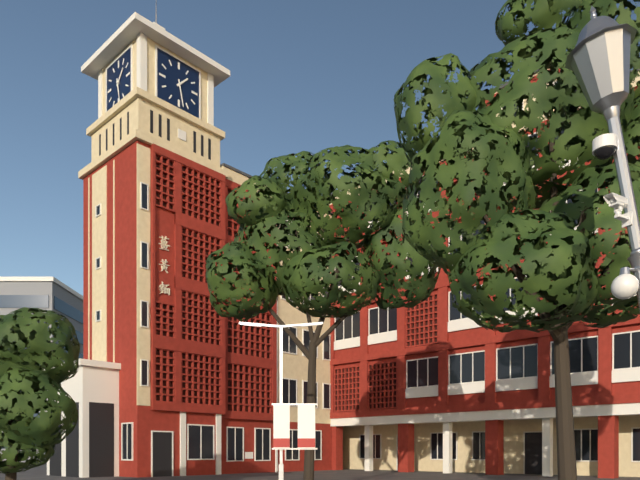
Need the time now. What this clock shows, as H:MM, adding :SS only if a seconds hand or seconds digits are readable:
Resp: 1:28
